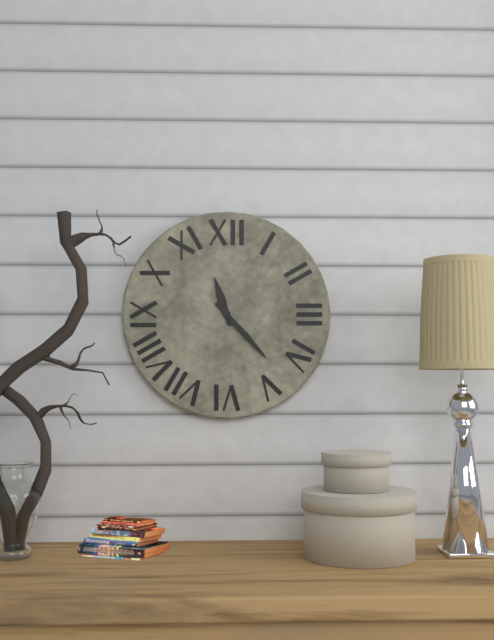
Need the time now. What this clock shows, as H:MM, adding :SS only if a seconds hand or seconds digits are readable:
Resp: 11:23
